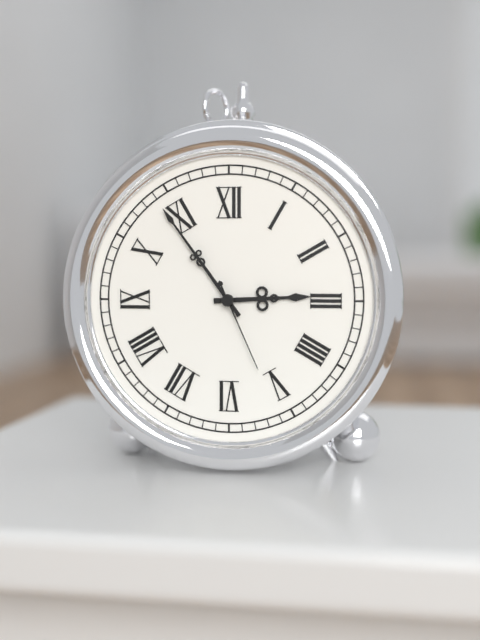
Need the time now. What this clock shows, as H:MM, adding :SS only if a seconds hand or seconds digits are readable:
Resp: 2:54:26
